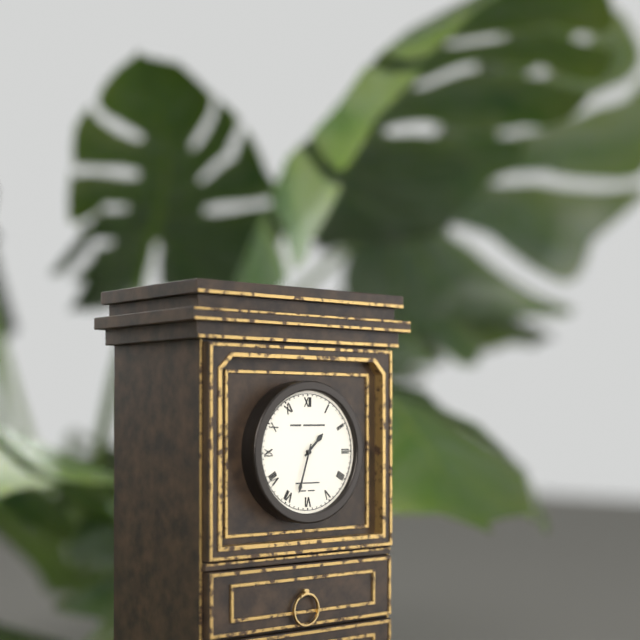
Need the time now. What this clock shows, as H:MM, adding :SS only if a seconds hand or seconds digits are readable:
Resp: 1:33
